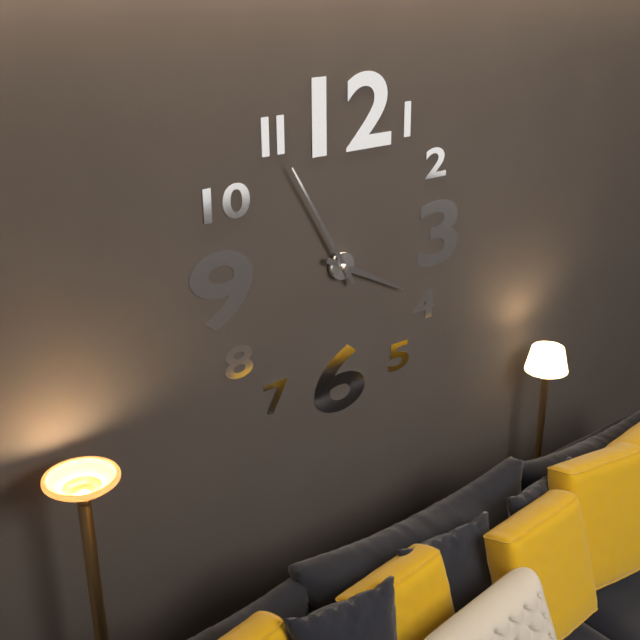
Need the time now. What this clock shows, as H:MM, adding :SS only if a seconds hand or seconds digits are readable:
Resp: 3:55
